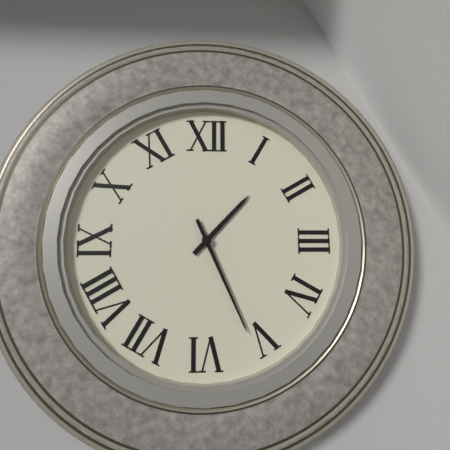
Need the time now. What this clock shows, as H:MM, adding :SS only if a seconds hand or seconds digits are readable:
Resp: 1:26
